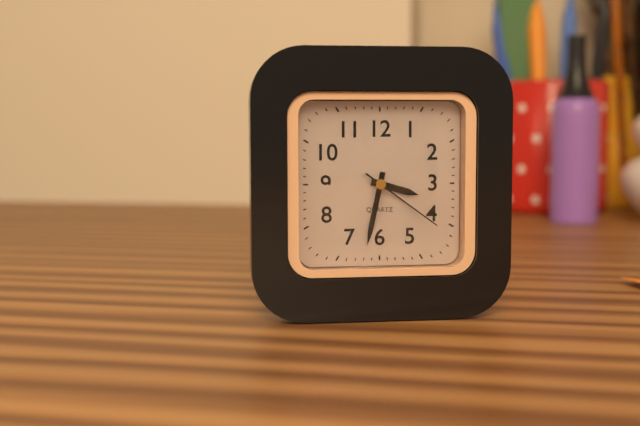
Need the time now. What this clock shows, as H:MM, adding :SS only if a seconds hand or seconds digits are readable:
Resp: 3:32:21
